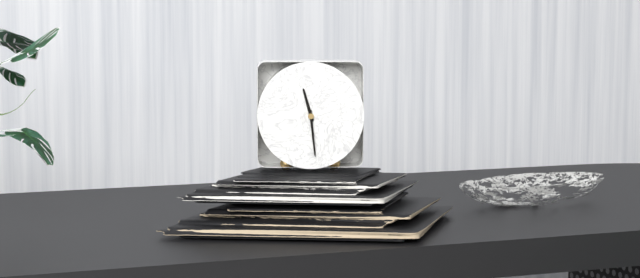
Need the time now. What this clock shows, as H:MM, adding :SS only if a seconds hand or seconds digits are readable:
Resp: 11:29
